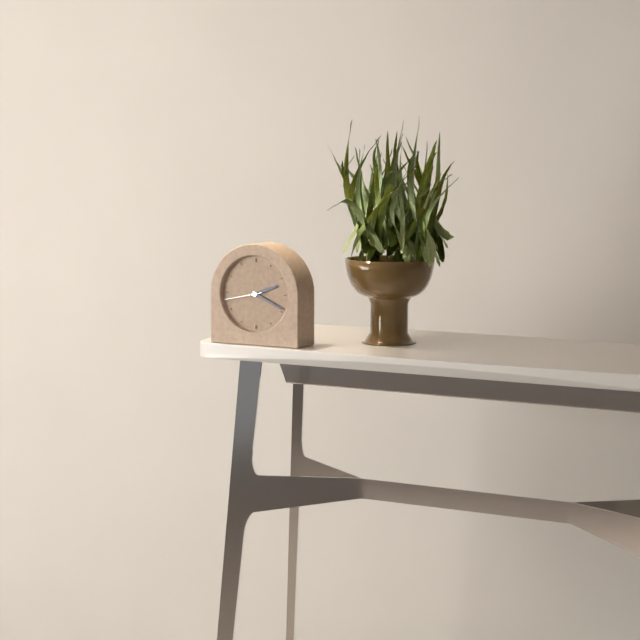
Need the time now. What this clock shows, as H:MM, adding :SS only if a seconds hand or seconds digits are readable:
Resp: 2:19
